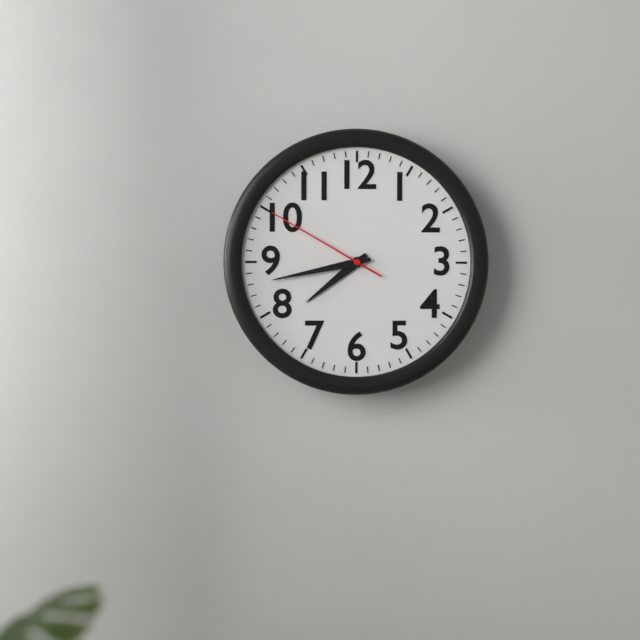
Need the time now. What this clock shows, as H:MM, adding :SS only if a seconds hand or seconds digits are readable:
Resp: 7:43:50
